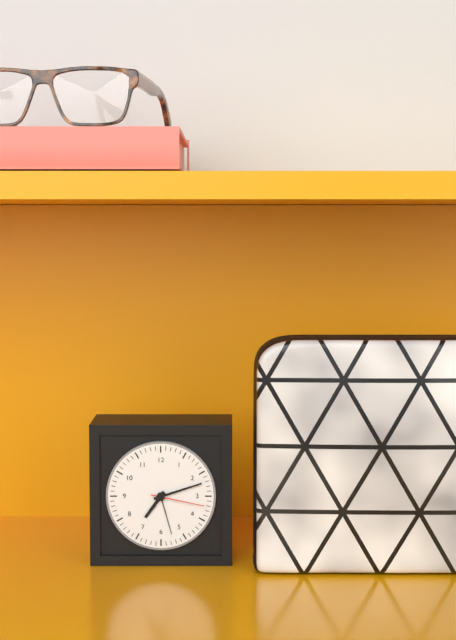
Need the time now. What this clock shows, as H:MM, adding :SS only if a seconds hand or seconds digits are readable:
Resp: 7:12:17
